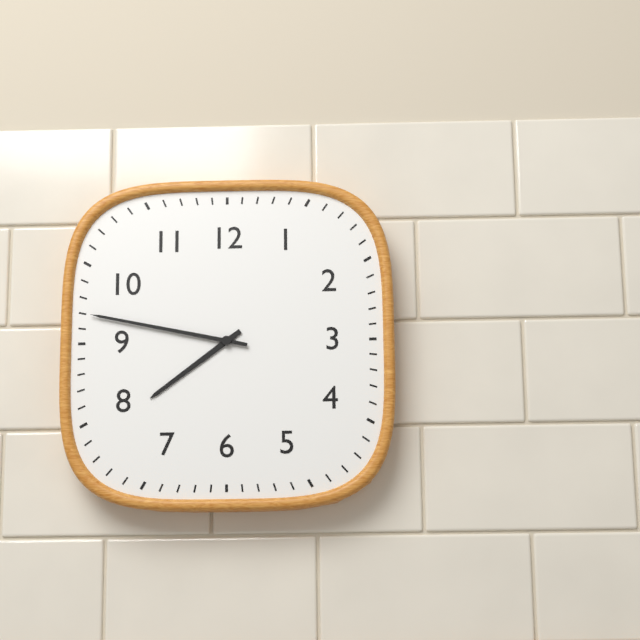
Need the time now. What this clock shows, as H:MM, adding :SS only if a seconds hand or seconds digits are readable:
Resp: 7:47
